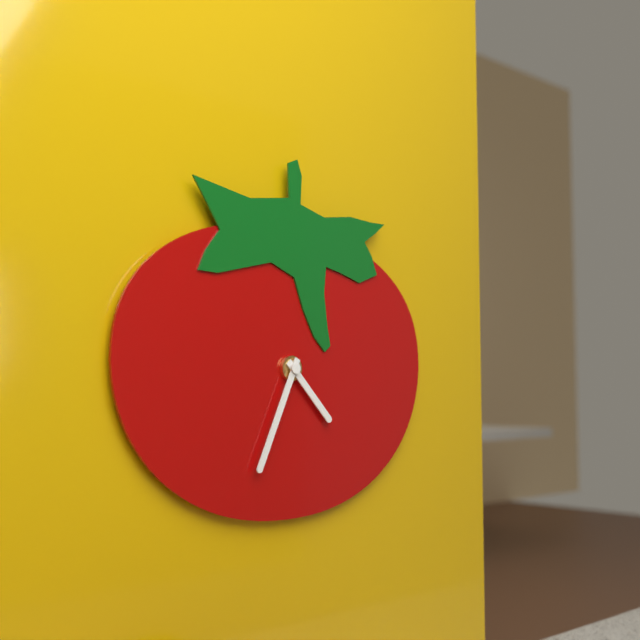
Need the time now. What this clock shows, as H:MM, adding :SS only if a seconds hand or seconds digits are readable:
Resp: 4:34
